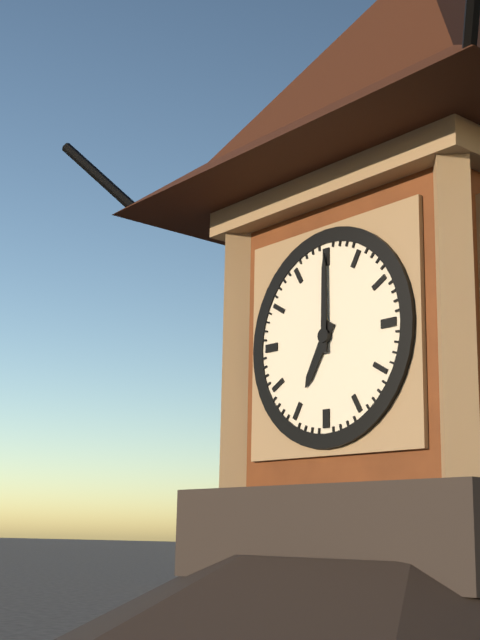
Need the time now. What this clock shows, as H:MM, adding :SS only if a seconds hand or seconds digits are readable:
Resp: 7:00
